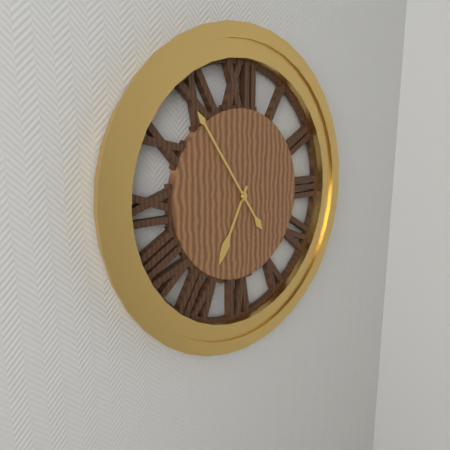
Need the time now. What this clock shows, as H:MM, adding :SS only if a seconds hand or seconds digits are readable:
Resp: 6:54
